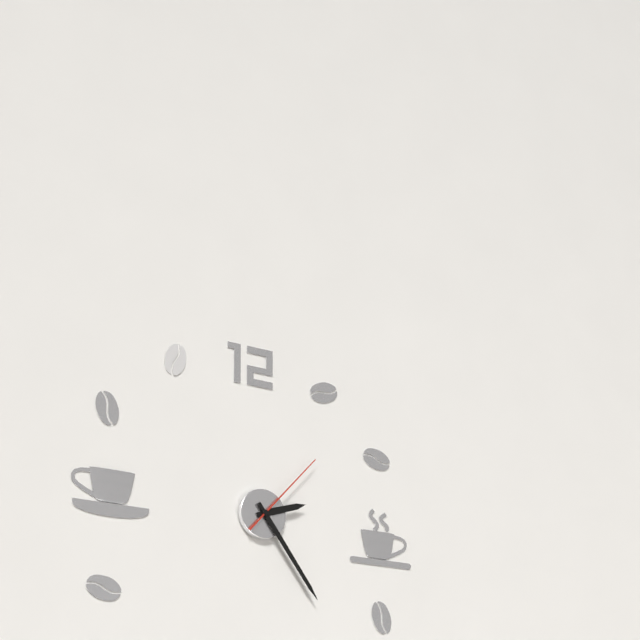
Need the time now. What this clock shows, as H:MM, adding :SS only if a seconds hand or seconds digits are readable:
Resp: 2:24:07
